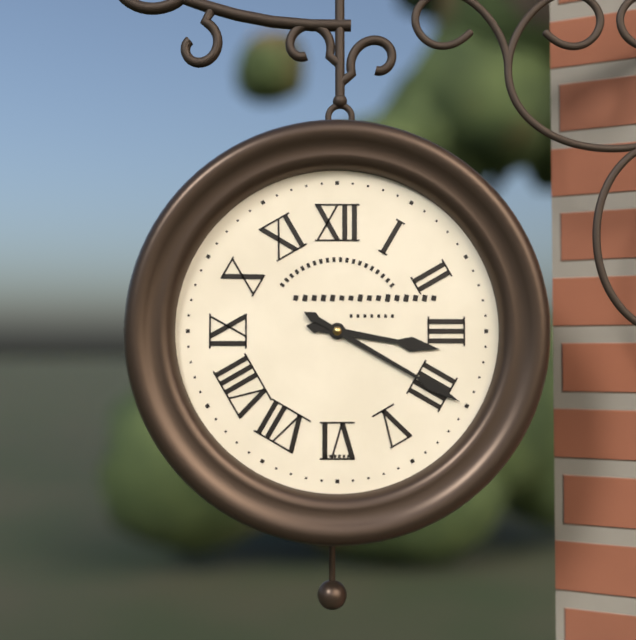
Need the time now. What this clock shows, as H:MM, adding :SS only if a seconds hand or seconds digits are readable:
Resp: 3:20
